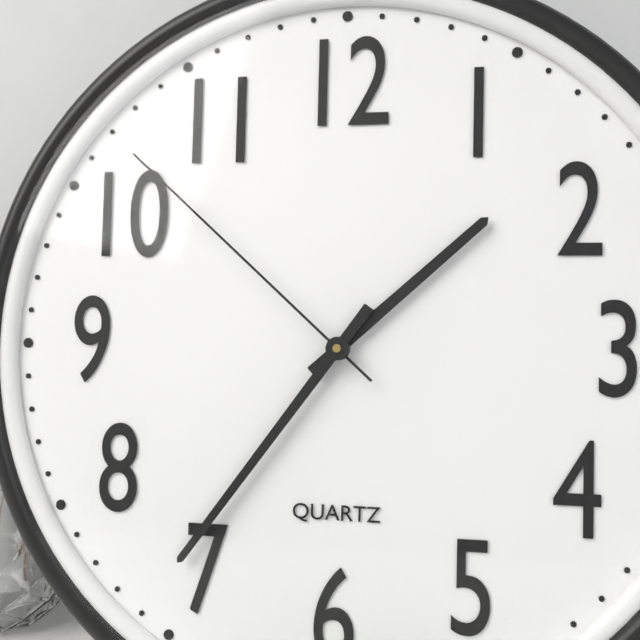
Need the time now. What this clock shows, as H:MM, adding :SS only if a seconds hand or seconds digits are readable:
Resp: 1:36:52
